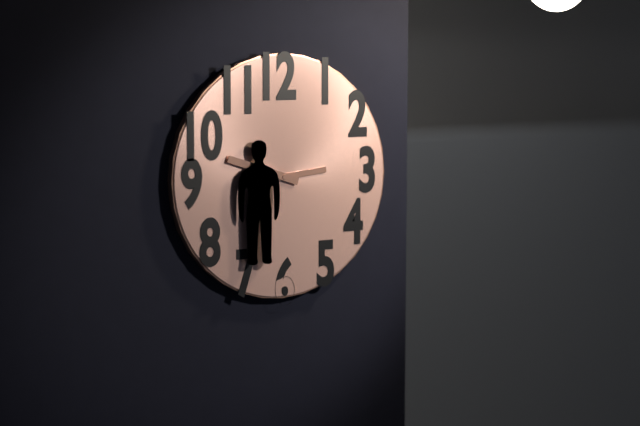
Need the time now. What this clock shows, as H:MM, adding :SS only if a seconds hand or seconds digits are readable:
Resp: 2:48
